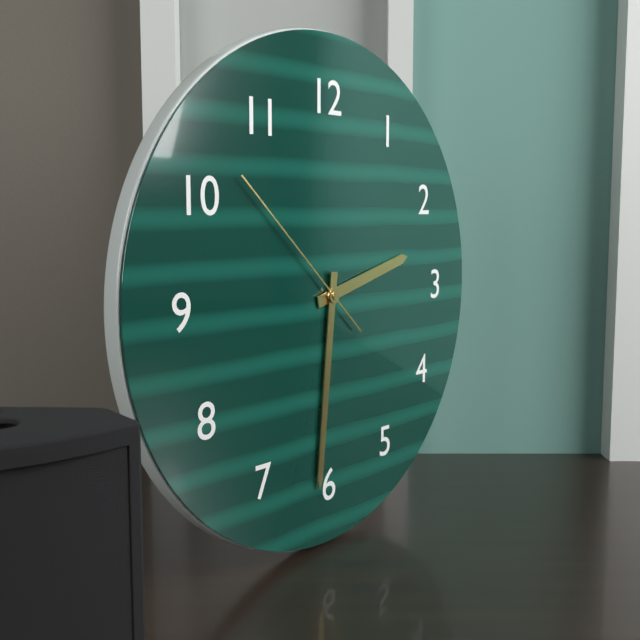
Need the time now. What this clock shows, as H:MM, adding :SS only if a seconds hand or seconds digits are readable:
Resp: 2:31:52
